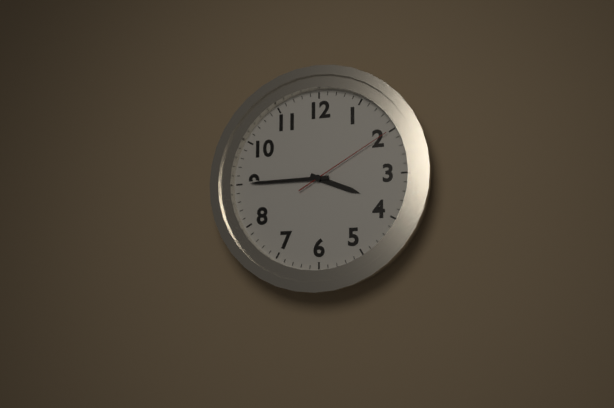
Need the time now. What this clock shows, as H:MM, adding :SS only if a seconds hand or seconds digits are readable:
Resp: 3:45:10
